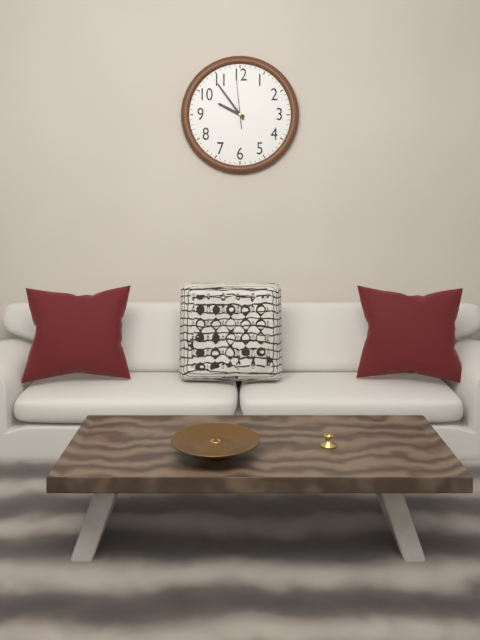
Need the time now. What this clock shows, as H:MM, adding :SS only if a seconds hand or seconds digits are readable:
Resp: 9:54
